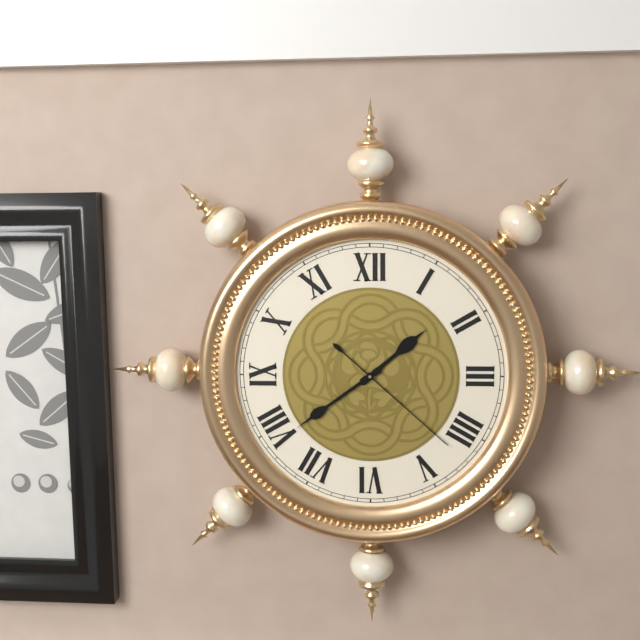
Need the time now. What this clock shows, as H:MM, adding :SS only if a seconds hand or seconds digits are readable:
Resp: 1:39:22
